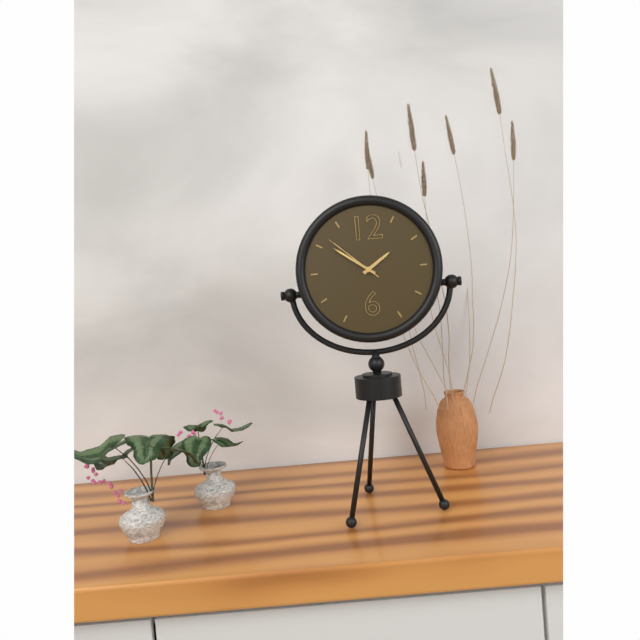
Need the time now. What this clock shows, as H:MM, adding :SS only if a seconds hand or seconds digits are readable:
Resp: 1:51:52
